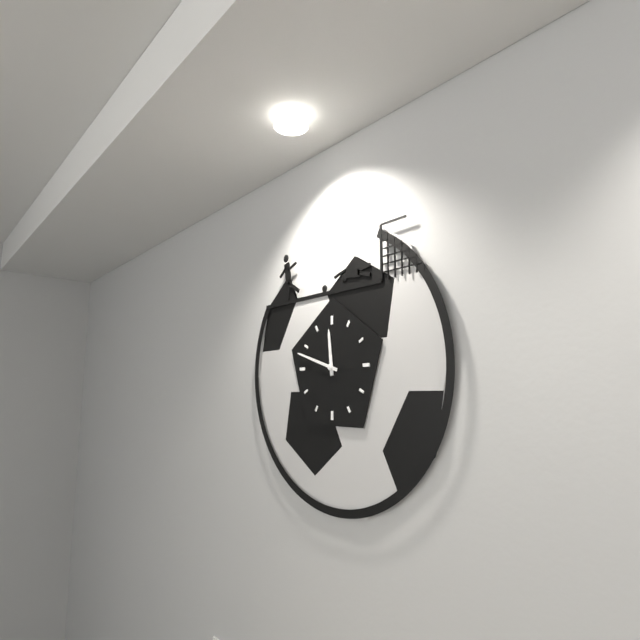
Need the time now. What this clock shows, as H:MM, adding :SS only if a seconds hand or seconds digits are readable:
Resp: 11:48
